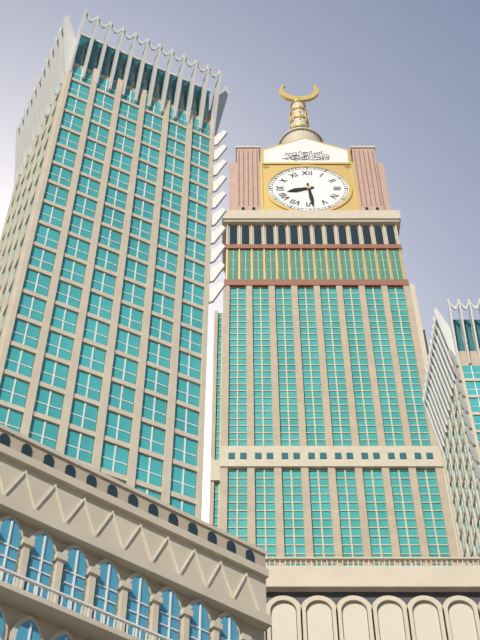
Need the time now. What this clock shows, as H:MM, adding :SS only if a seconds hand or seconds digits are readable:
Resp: 8:29
